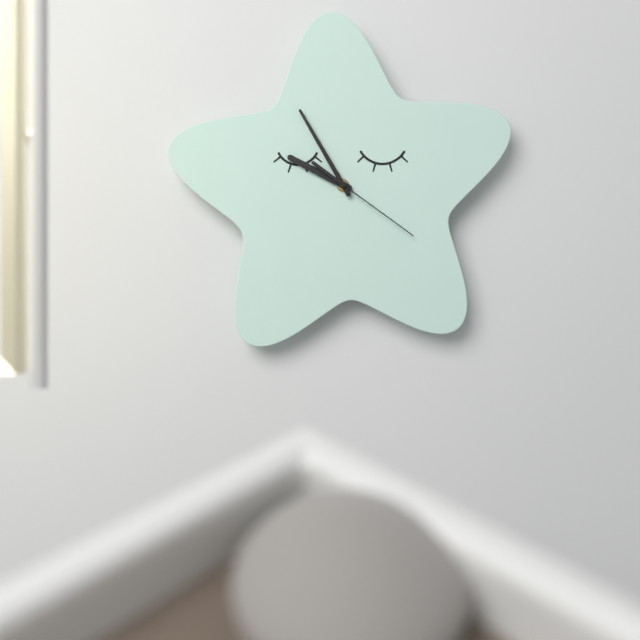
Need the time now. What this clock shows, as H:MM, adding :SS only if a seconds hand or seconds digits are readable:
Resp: 9:55:21
